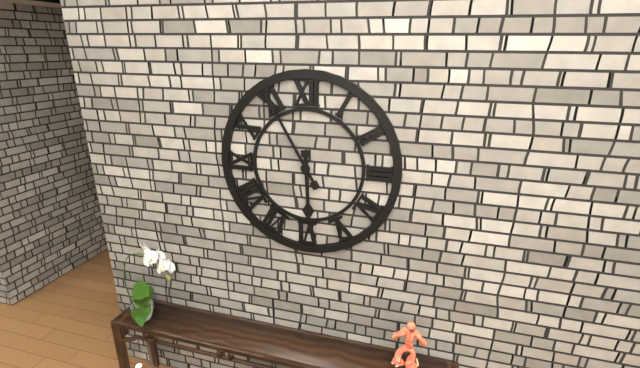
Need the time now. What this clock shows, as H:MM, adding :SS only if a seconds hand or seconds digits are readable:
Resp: 5:55
